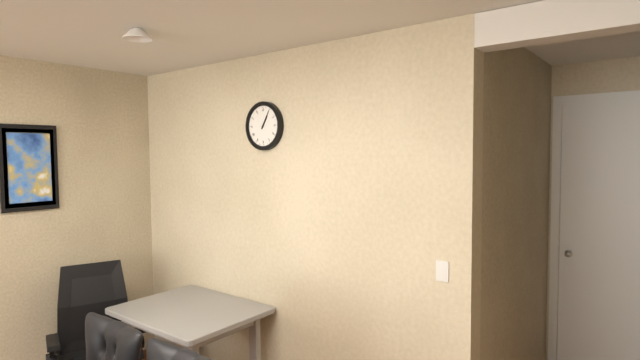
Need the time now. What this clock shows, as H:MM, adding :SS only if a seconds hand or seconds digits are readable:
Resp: 1:05
